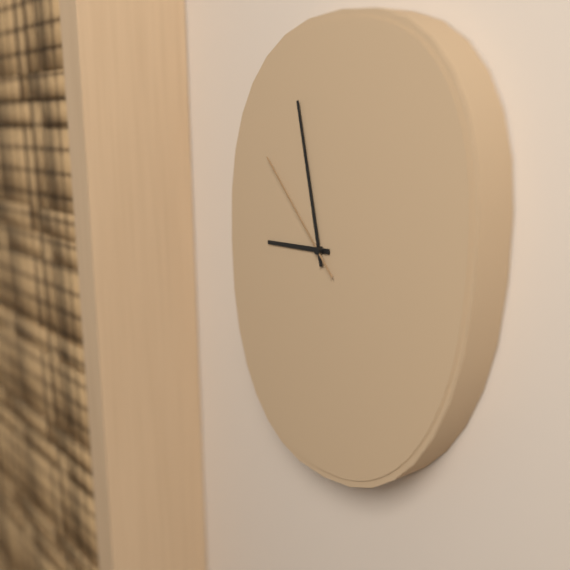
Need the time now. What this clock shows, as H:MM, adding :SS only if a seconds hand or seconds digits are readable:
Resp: 8:58:53
